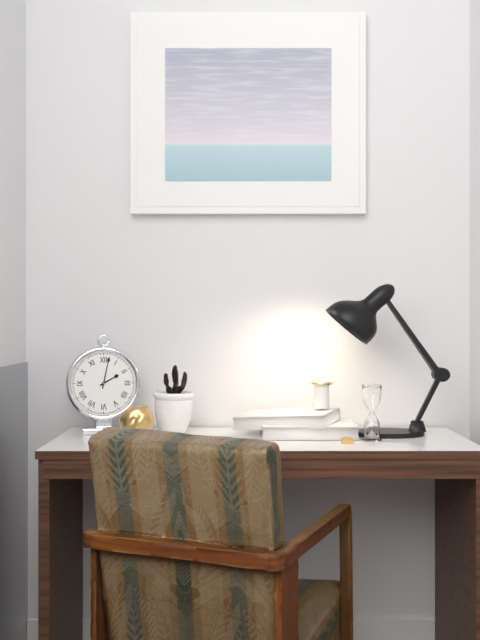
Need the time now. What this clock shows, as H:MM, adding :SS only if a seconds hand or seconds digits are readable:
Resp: 2:02
